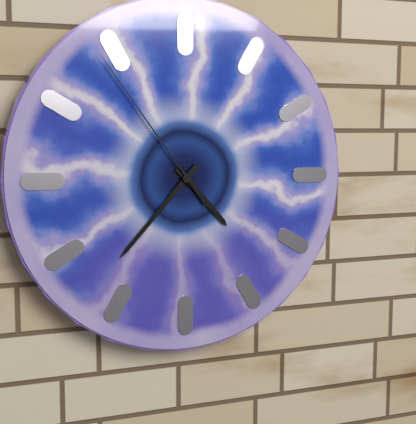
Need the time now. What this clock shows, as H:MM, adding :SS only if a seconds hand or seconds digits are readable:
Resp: 4:37:54
